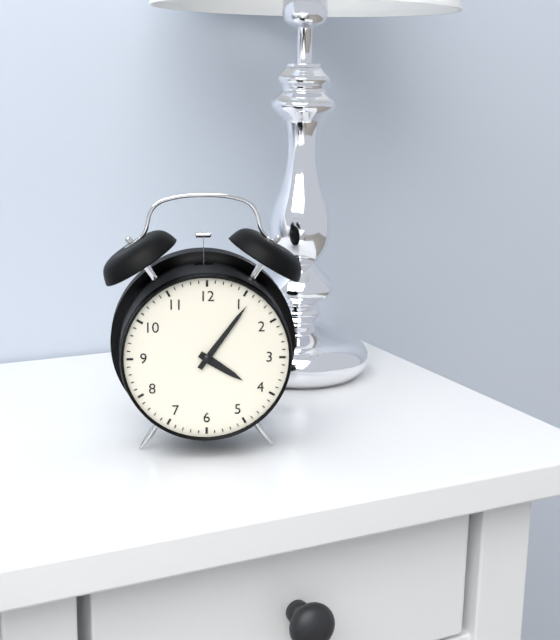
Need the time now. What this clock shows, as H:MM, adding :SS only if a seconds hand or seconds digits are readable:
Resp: 4:06
